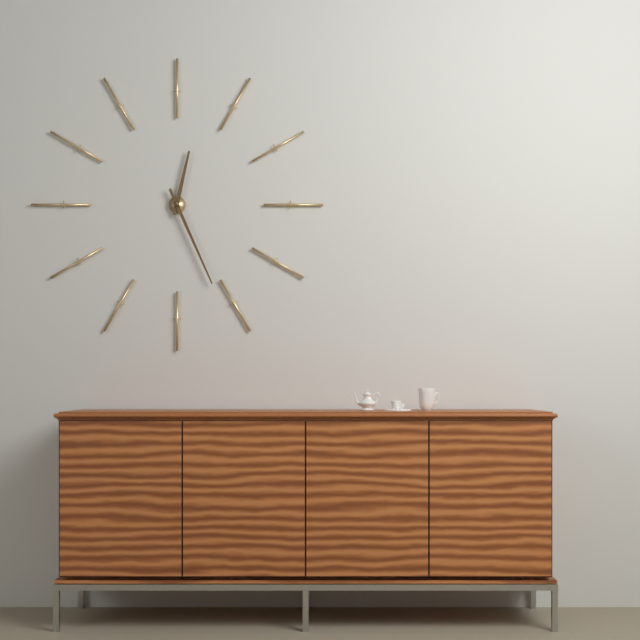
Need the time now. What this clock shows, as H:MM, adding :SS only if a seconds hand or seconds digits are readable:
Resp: 12:26
